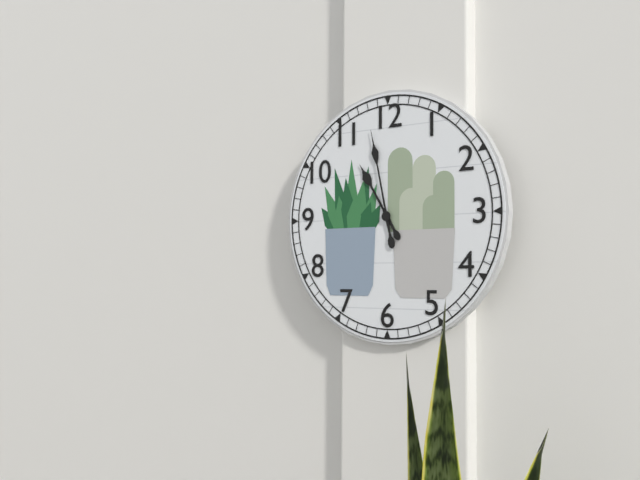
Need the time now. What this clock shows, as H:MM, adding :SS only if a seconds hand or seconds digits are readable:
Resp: 10:58
